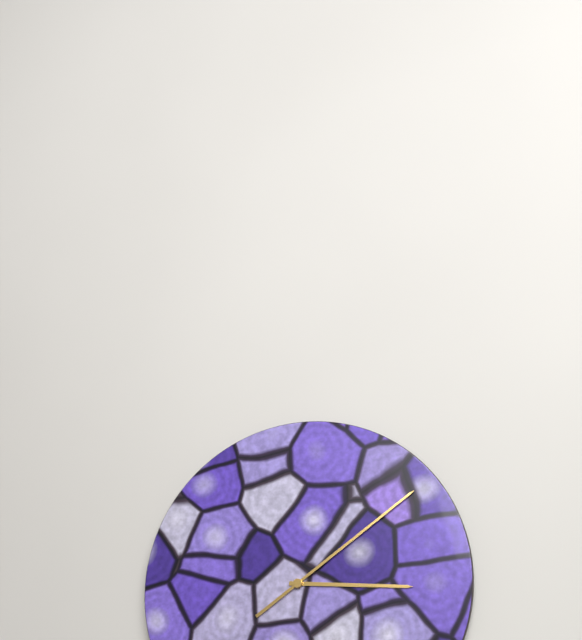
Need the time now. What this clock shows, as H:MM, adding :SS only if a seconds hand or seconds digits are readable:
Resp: 3:09
